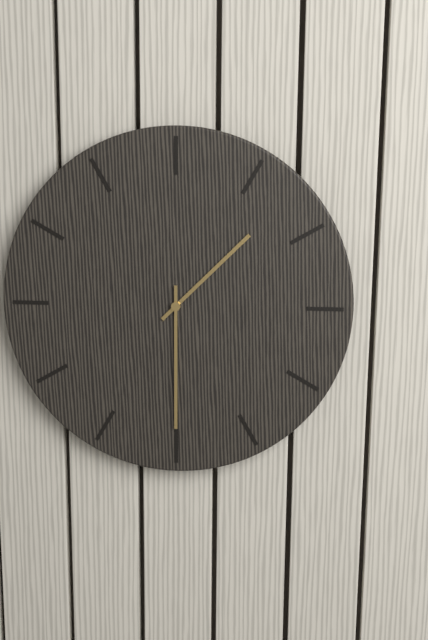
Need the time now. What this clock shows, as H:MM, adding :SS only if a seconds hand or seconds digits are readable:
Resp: 1:30
